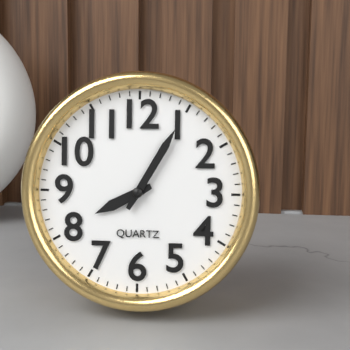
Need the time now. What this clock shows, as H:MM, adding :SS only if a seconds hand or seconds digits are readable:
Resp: 8:05
